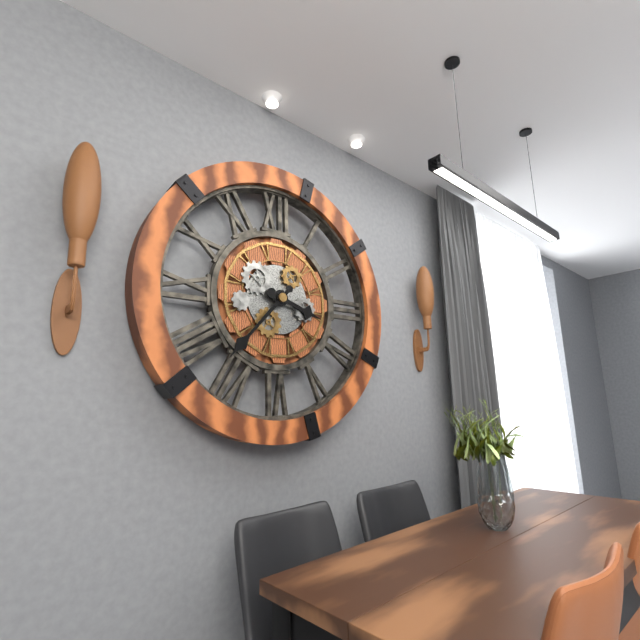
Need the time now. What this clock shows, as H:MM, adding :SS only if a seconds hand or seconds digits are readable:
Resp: 3:37
